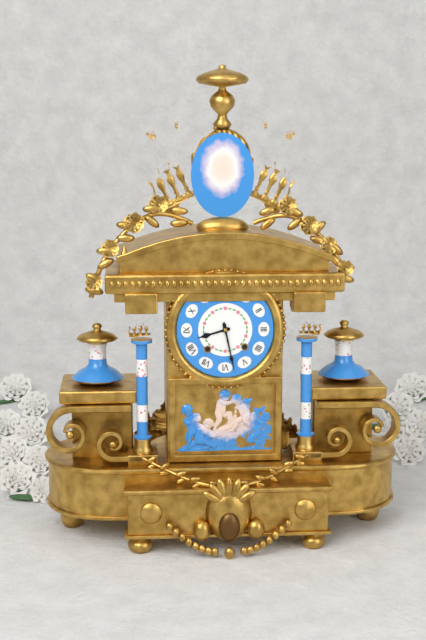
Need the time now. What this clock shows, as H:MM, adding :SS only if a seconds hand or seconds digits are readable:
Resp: 8:28
